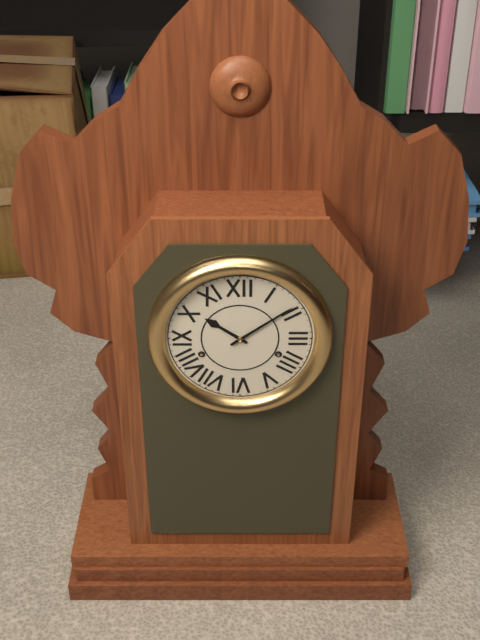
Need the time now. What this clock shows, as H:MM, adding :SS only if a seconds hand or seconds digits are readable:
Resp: 10:09
